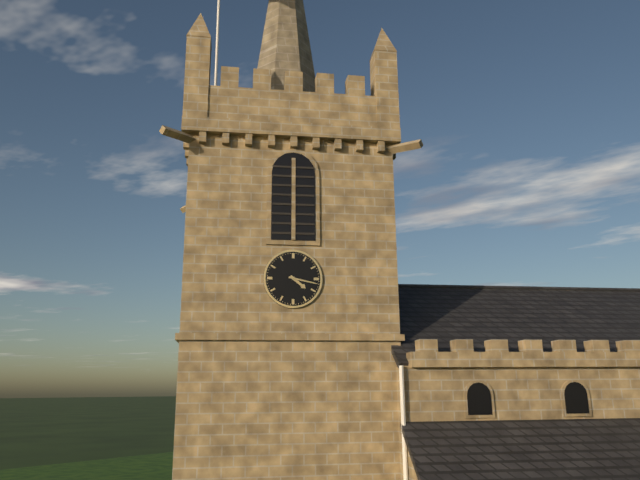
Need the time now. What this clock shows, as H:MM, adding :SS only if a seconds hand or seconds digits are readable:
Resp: 4:17
